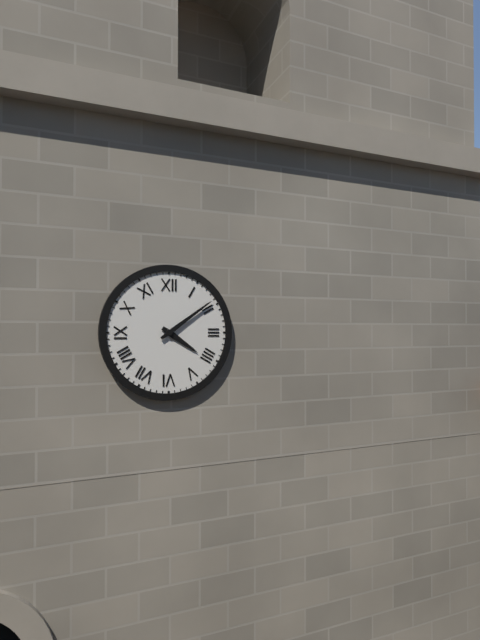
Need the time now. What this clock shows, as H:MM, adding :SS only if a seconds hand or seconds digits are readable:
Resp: 4:09
